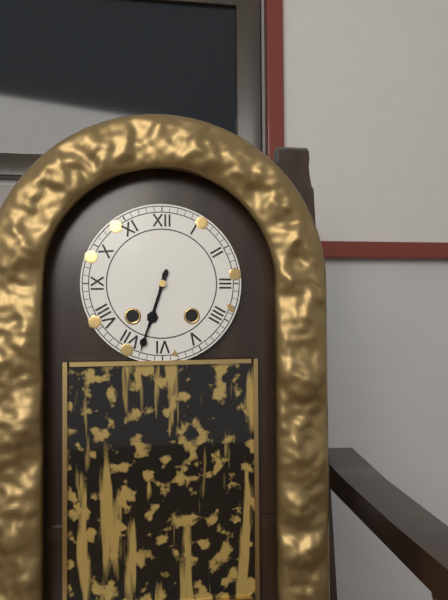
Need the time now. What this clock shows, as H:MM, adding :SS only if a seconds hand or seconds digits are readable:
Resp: 6:33
